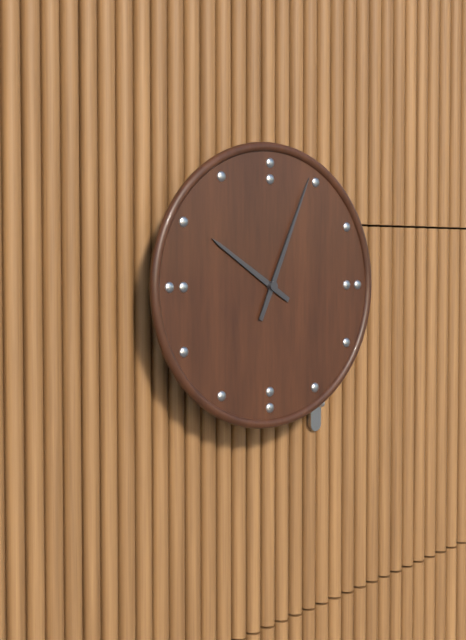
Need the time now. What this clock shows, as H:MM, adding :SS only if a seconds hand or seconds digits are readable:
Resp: 10:04
